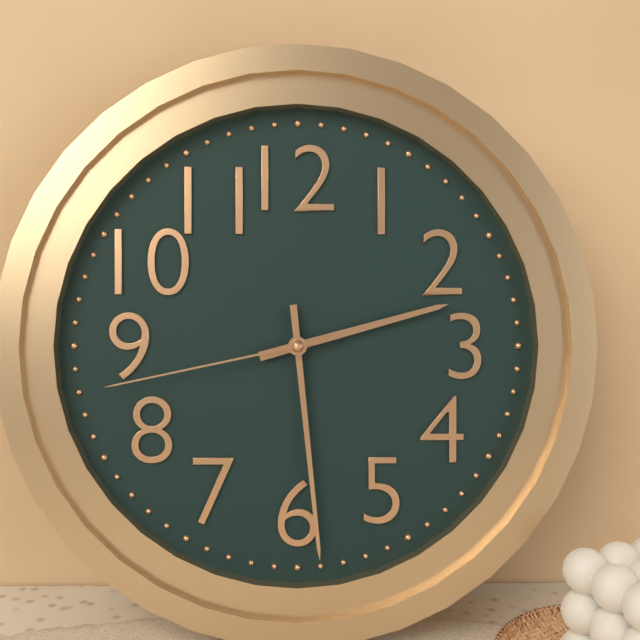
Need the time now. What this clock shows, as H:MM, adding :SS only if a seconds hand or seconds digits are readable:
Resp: 2:29:43
